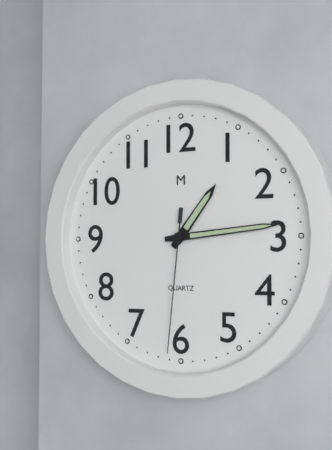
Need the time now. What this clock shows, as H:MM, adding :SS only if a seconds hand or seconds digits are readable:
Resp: 1:14:31
